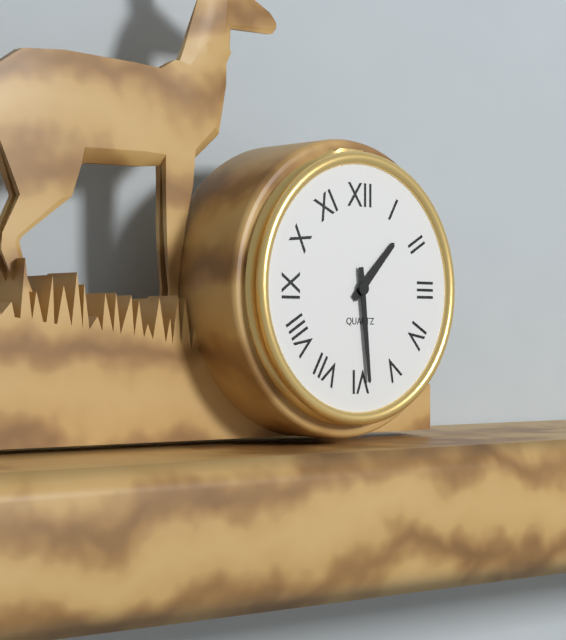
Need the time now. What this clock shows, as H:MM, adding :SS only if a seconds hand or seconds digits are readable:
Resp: 1:29
